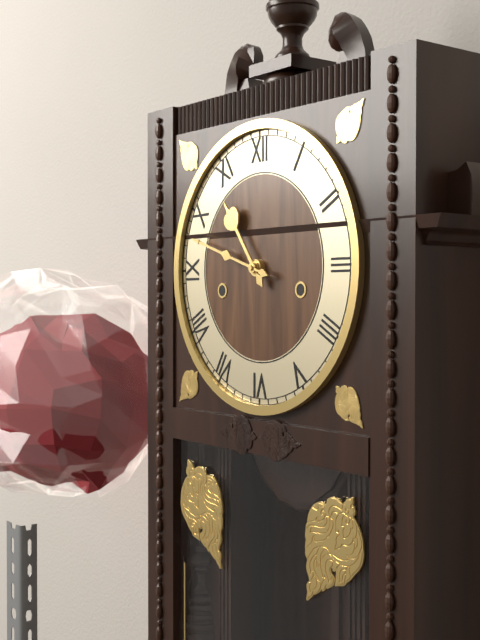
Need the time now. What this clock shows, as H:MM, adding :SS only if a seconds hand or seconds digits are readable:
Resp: 10:48
